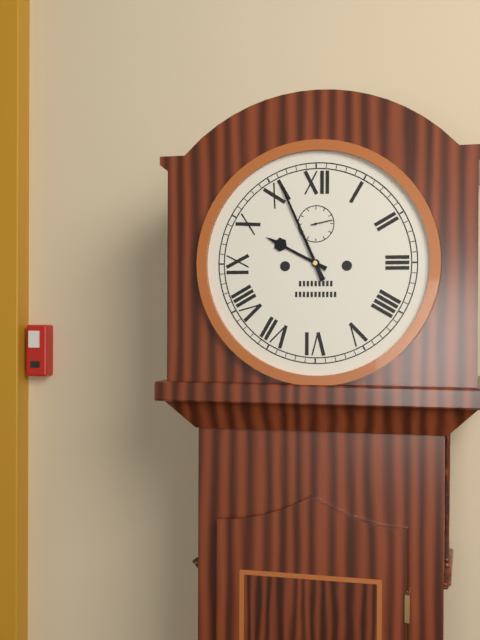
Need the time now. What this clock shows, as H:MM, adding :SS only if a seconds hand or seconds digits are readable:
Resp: 9:56
